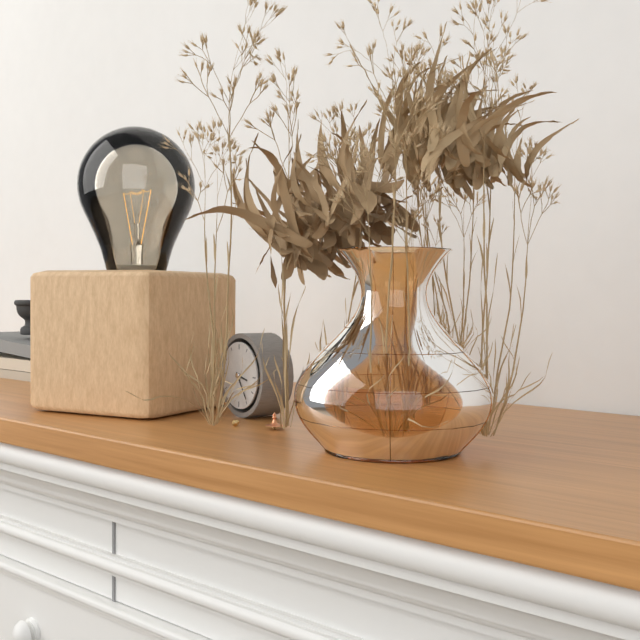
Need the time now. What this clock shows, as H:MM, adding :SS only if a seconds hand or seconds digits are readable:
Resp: 3:24
